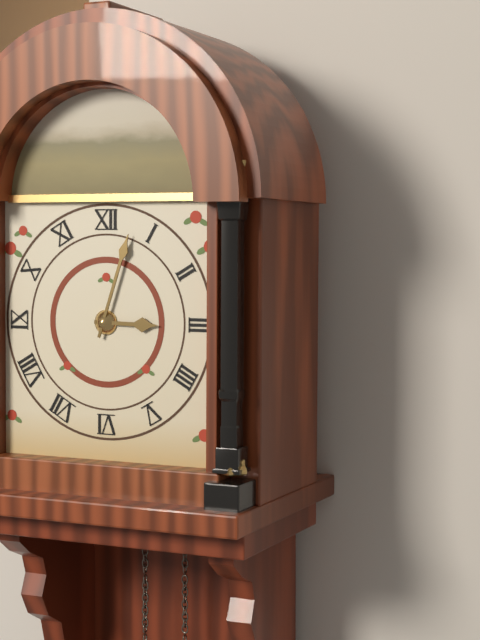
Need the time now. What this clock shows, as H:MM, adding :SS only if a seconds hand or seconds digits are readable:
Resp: 3:03
